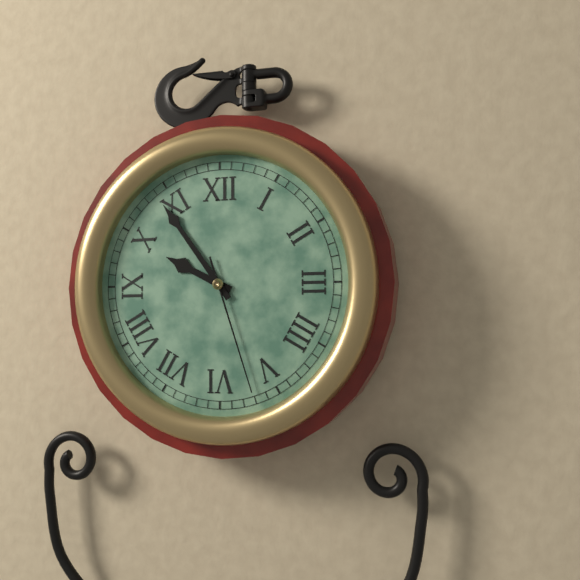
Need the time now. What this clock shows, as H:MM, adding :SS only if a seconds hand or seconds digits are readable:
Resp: 9:54:27
